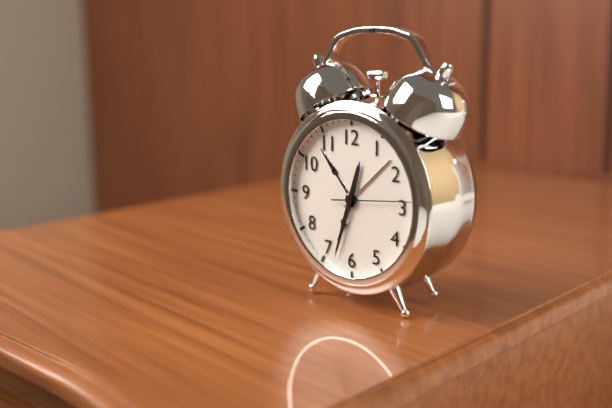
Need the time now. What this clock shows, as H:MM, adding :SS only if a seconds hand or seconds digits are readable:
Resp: 12:33:14
